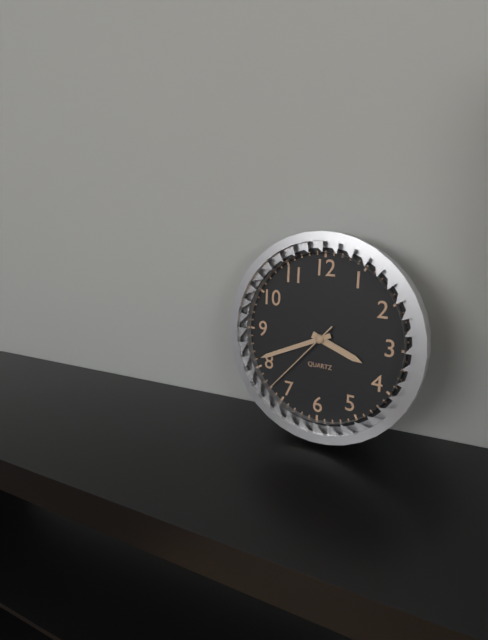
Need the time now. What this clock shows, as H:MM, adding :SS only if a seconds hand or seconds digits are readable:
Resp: 3:41:37
